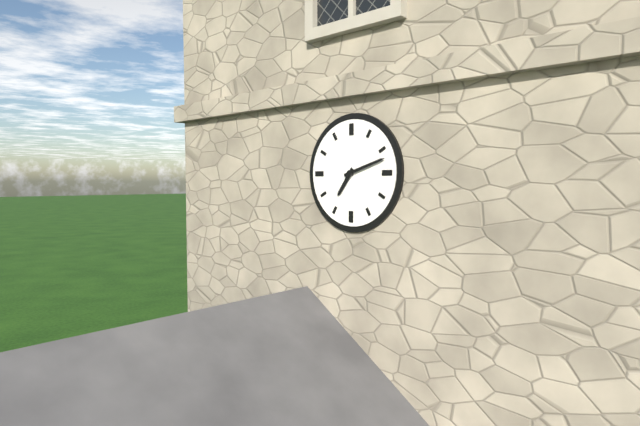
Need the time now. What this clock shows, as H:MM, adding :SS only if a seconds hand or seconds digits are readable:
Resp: 7:12
